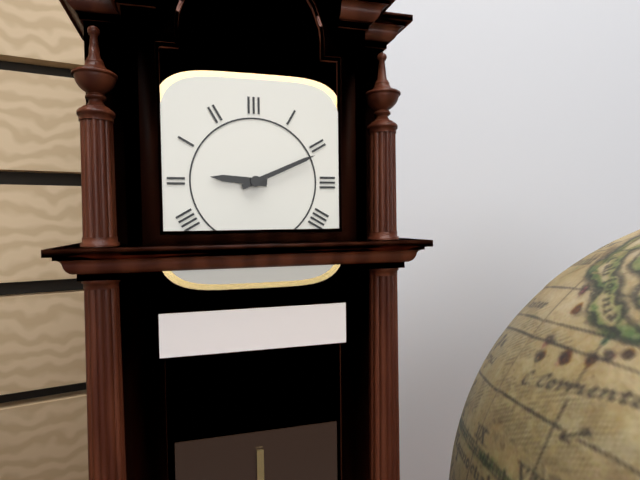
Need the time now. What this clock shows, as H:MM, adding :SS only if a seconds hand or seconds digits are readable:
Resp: 9:11
